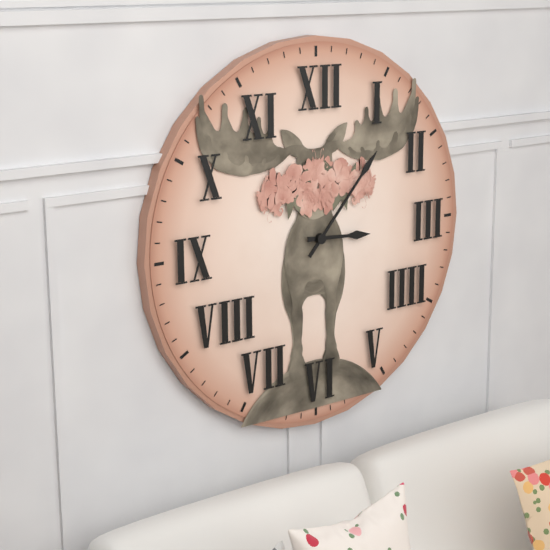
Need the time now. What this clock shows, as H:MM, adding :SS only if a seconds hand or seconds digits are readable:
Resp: 3:07
